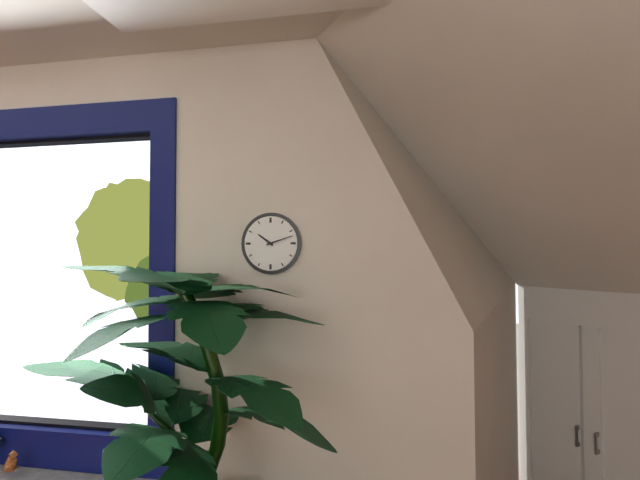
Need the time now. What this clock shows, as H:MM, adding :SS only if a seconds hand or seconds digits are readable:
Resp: 10:12
